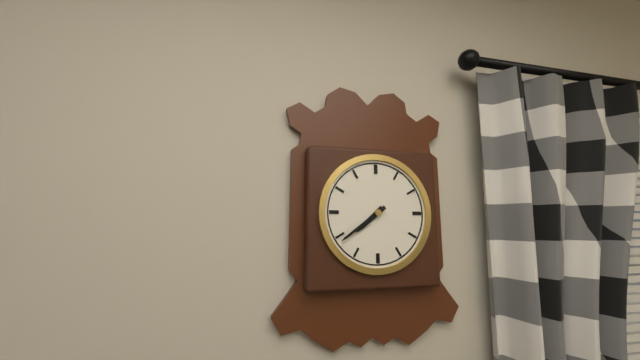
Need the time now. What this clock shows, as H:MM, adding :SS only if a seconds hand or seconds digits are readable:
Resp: 7:39
